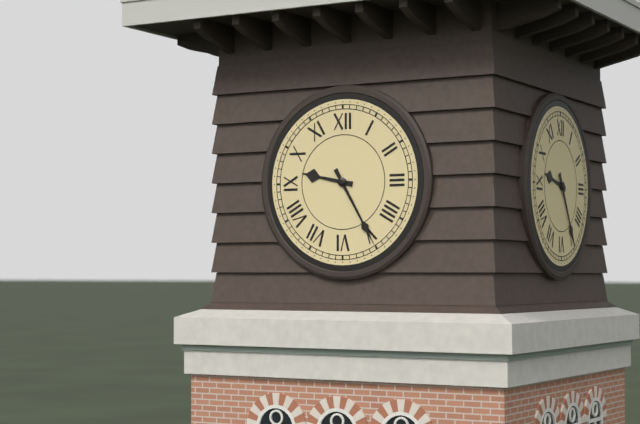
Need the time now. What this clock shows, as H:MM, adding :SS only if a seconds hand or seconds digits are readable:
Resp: 9:25
